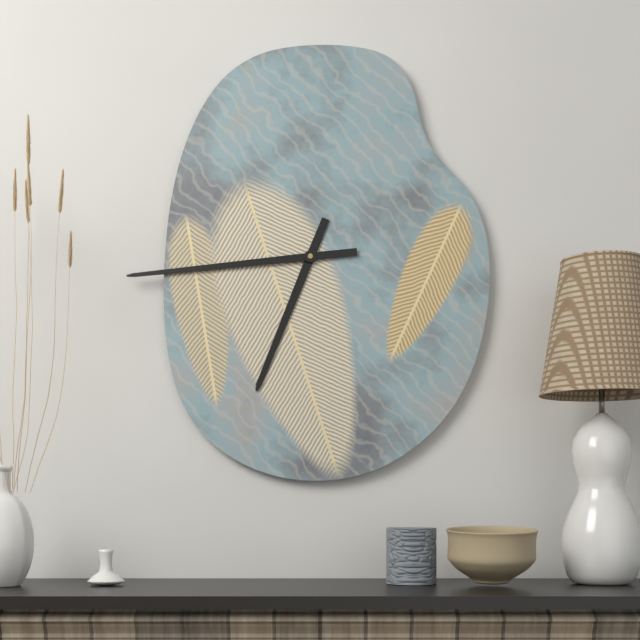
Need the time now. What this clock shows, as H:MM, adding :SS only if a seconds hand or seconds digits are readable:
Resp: 6:44
